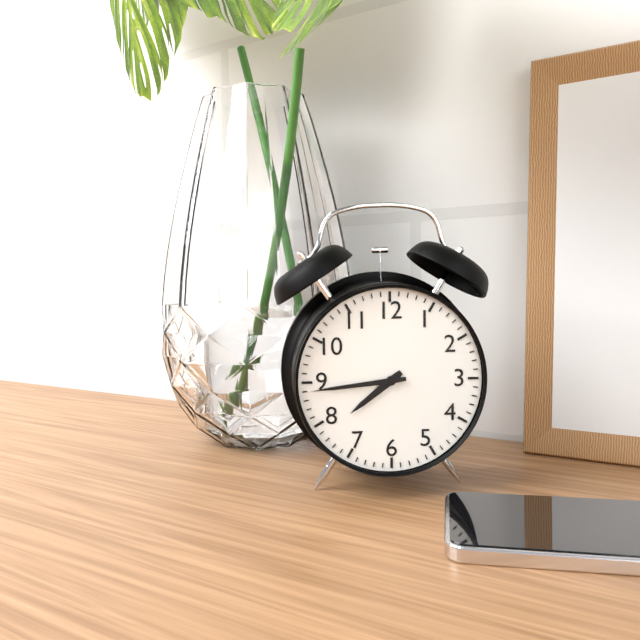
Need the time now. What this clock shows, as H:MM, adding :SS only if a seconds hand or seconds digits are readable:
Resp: 7:44
